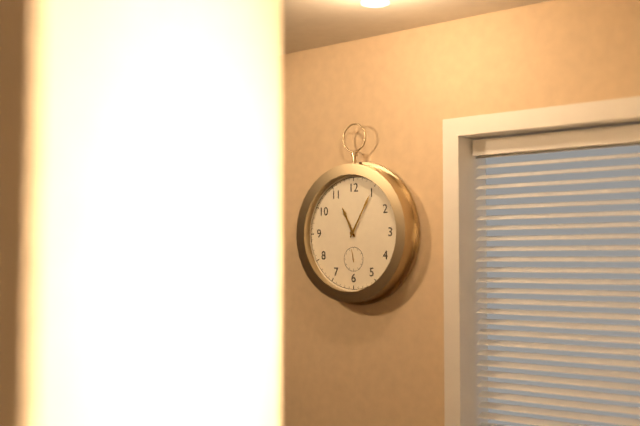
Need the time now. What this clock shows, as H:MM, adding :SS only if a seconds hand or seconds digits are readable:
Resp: 11:05
